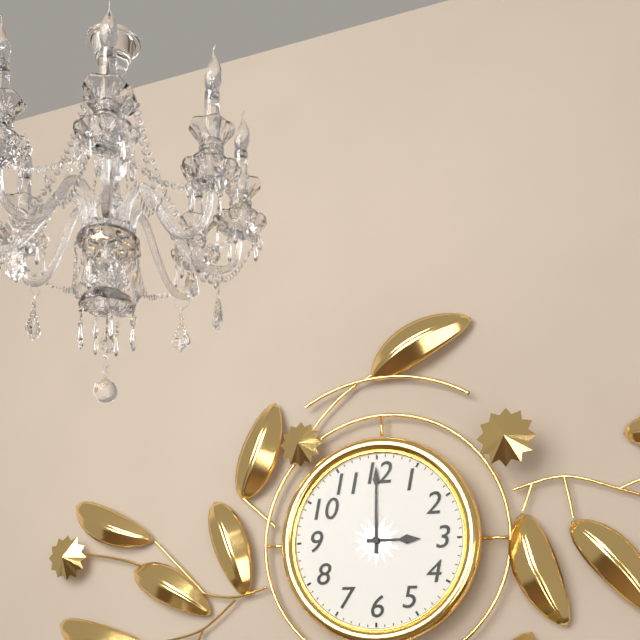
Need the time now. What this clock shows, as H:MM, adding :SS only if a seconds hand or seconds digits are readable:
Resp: 3:00
